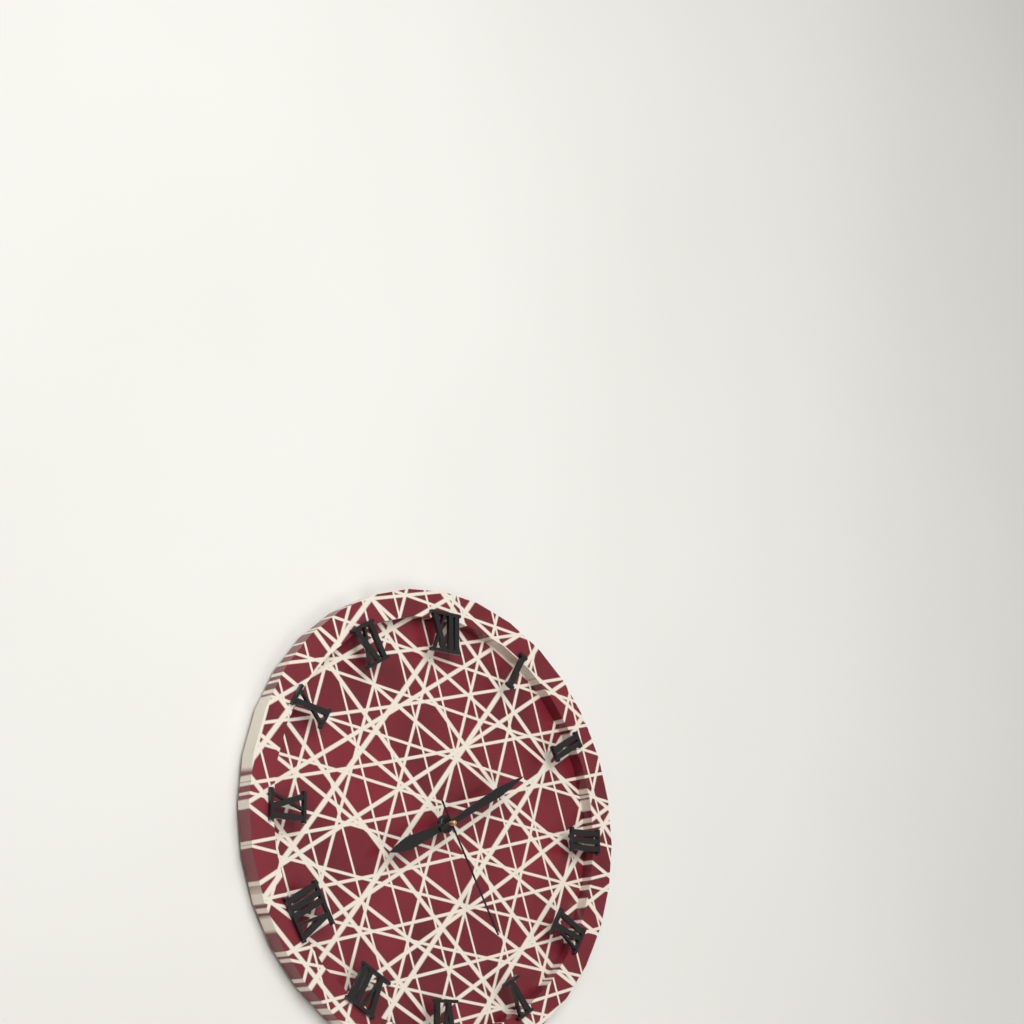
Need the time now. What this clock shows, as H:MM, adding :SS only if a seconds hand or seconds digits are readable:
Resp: 8:10:25
